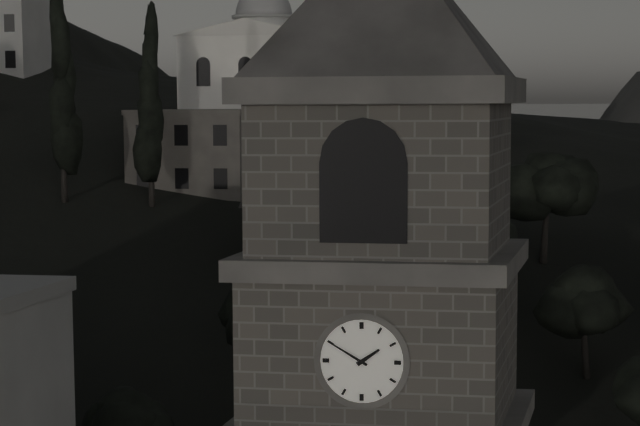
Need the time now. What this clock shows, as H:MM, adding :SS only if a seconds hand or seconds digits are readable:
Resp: 1:50
